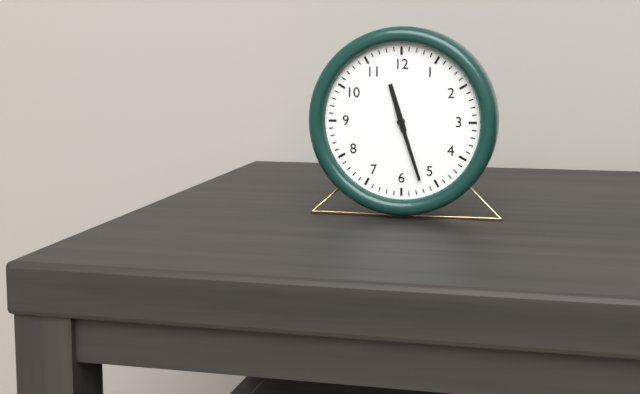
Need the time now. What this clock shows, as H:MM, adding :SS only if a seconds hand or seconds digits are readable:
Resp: 11:27
